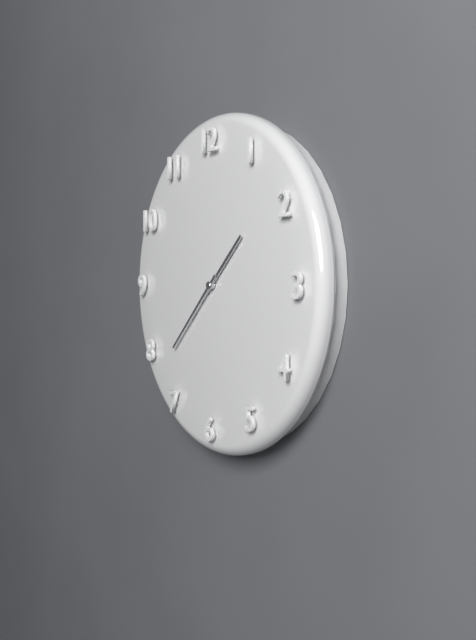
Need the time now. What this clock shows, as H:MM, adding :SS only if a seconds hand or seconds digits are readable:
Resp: 1:38
